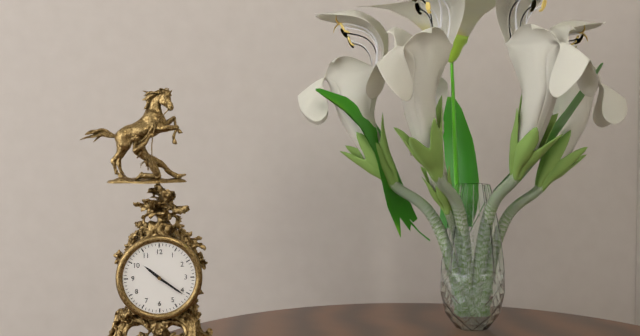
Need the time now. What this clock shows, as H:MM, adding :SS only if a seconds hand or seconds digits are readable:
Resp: 10:21
